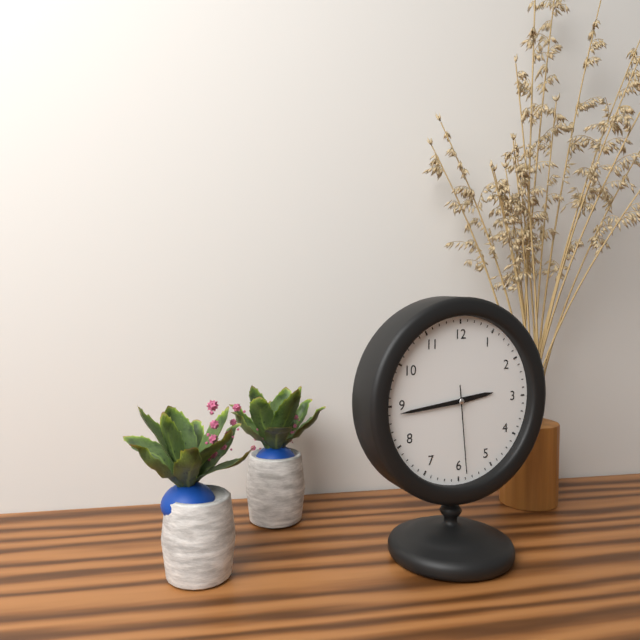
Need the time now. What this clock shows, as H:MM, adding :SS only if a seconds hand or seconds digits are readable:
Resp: 2:44:29
